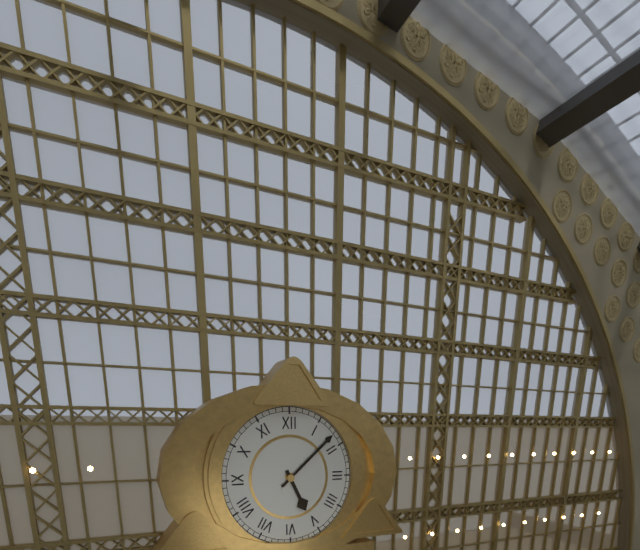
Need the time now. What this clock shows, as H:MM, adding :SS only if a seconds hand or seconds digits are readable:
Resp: 5:08
